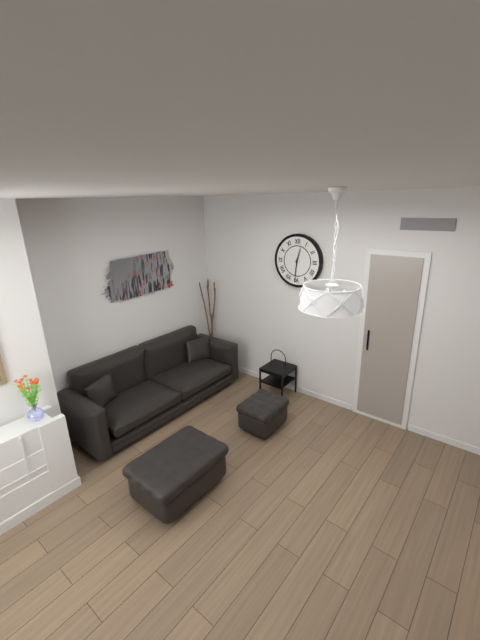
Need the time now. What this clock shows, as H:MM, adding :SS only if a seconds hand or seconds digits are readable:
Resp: 12:31
